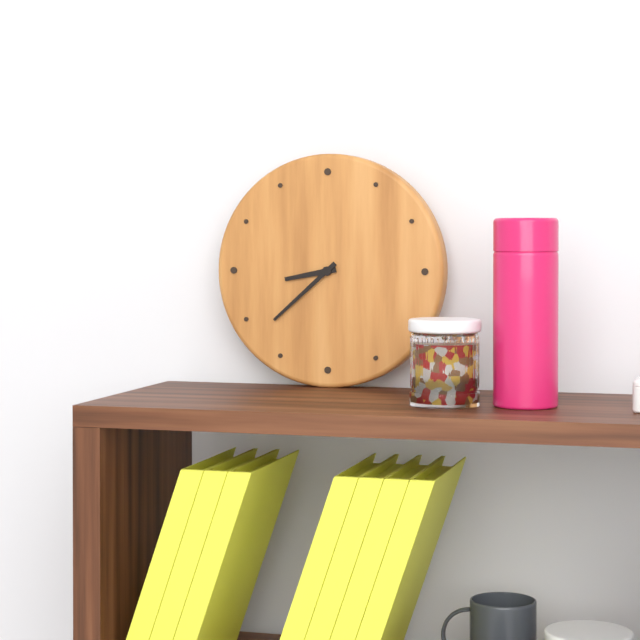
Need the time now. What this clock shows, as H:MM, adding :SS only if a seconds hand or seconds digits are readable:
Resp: 8:38
